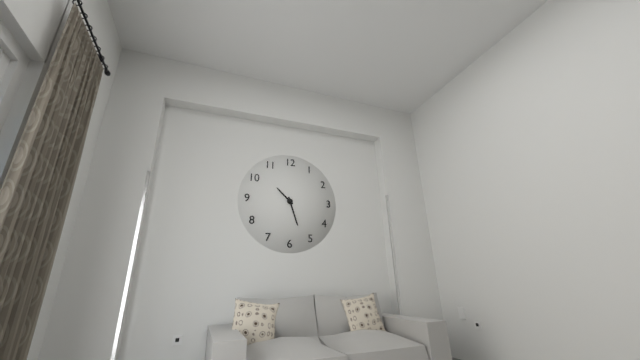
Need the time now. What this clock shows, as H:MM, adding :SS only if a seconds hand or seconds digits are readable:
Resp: 10:27
